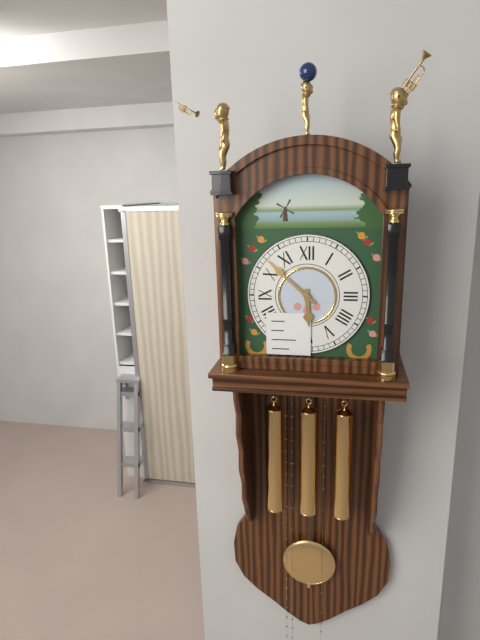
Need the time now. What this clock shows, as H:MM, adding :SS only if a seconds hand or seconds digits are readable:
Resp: 5:52
